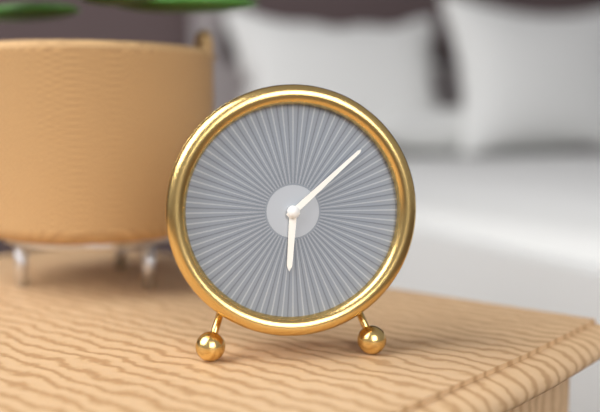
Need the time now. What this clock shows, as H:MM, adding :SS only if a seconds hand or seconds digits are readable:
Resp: 6:08
